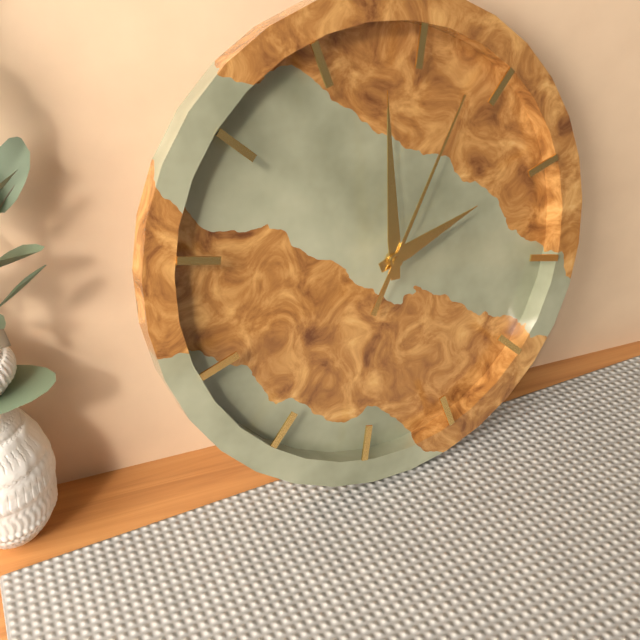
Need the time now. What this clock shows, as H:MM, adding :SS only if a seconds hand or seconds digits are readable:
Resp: 1:58:03
